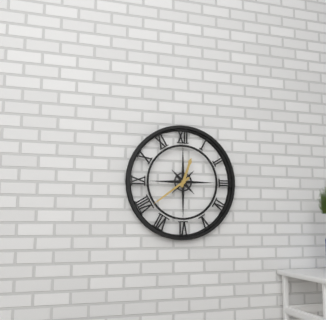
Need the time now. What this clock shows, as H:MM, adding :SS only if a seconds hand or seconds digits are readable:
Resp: 12:39
